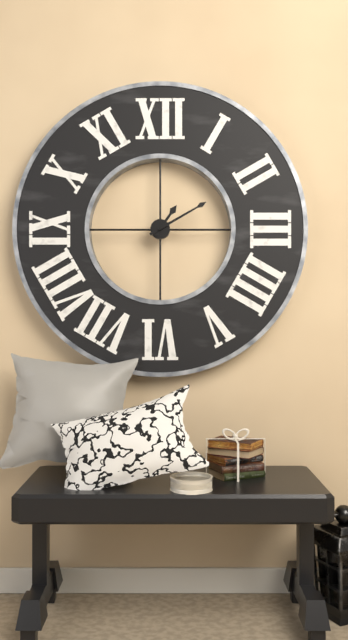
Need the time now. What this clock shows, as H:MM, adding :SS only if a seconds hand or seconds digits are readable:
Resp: 1:10
